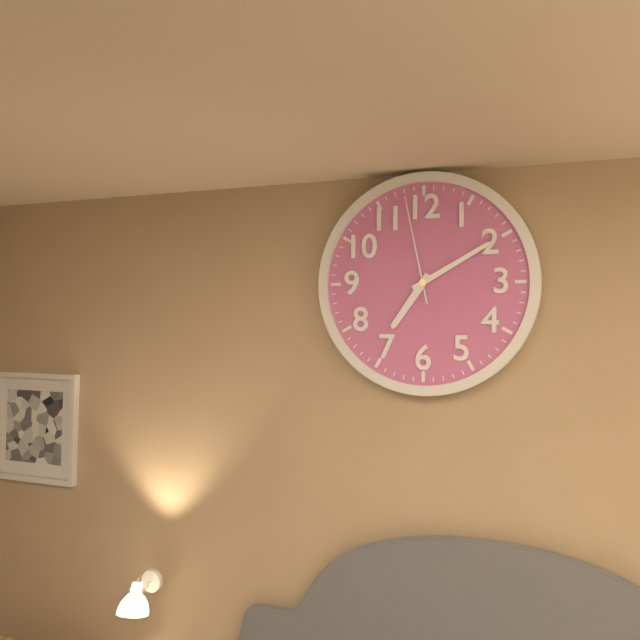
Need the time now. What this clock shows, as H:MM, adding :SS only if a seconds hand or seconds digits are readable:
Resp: 7:10:58
